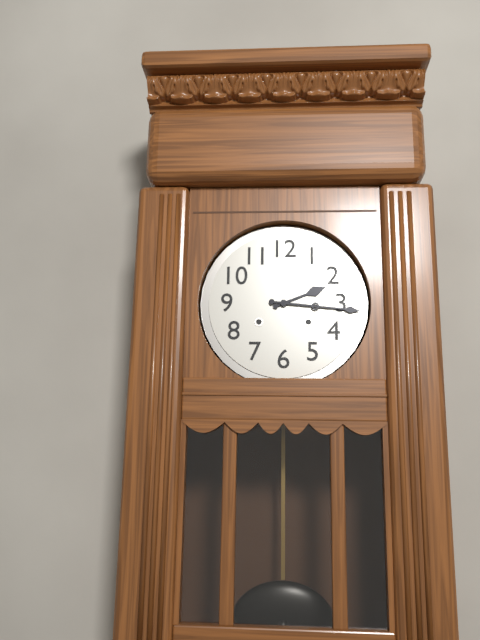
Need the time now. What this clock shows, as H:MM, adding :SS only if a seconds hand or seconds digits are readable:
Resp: 2:16
